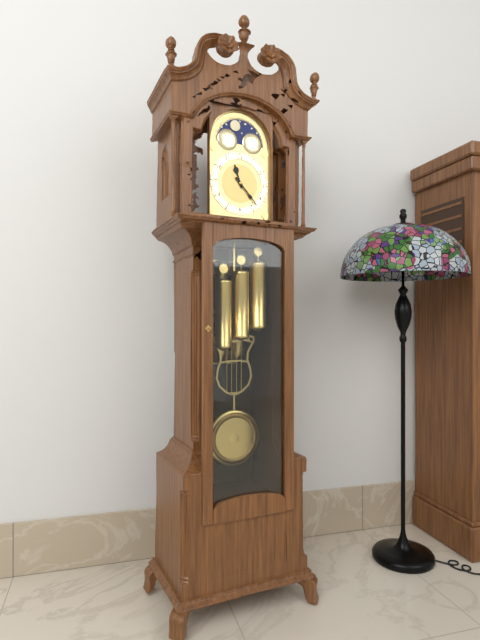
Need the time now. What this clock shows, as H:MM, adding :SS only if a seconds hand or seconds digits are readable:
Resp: 11:23
